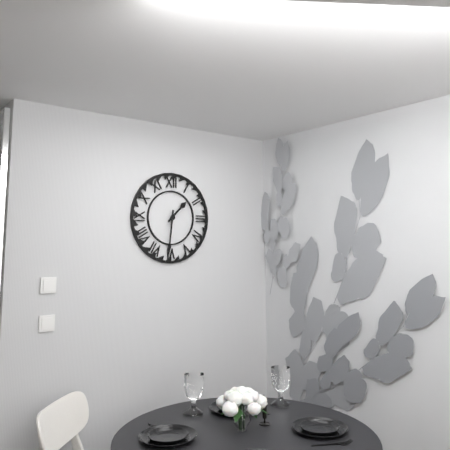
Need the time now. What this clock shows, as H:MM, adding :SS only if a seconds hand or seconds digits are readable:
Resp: 1:31
